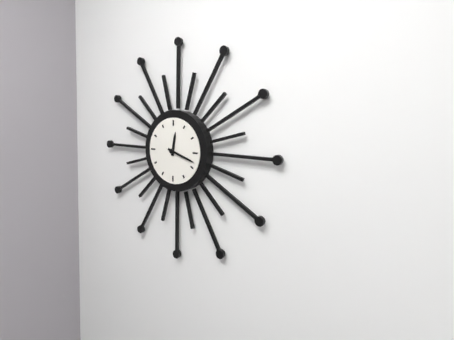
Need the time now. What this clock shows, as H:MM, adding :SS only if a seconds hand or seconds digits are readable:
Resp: 12:18
